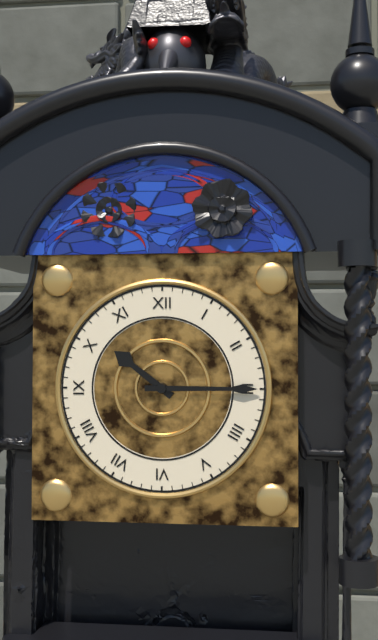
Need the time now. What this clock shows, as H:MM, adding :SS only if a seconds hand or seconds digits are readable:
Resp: 10:15
